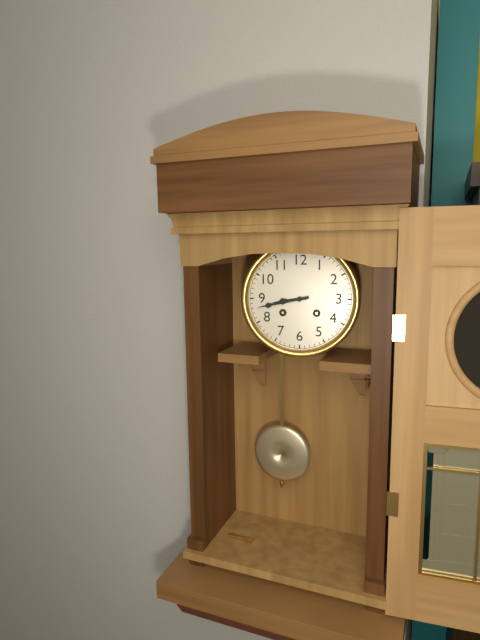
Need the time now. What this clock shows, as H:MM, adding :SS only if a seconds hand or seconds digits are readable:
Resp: 8:43
